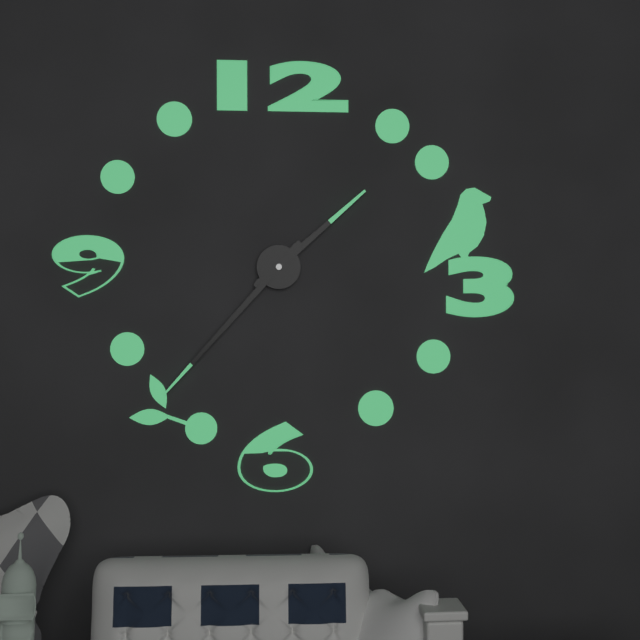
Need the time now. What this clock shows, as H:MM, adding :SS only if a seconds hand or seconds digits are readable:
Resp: 1:37
